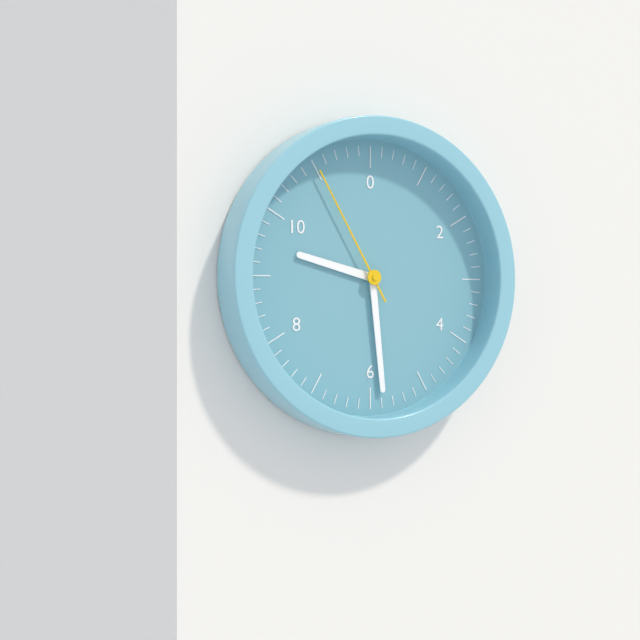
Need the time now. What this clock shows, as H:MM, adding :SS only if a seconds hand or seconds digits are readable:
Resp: 9:29:55
